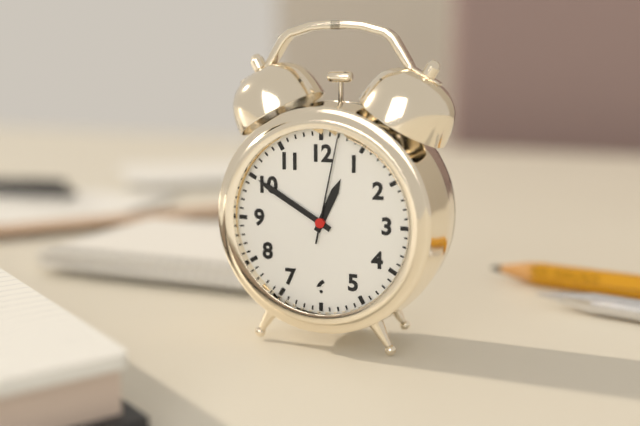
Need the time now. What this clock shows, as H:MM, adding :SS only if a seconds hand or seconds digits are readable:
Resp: 12:50:02
